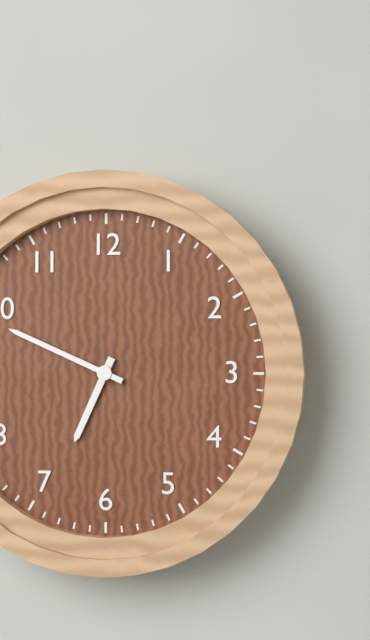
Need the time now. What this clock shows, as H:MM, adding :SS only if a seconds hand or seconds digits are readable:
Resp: 6:49
